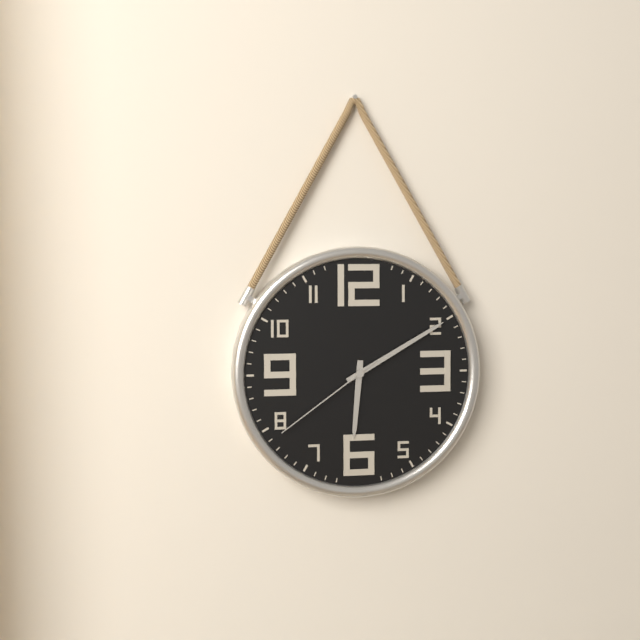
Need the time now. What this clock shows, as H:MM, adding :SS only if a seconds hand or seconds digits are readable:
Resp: 6:10:39
